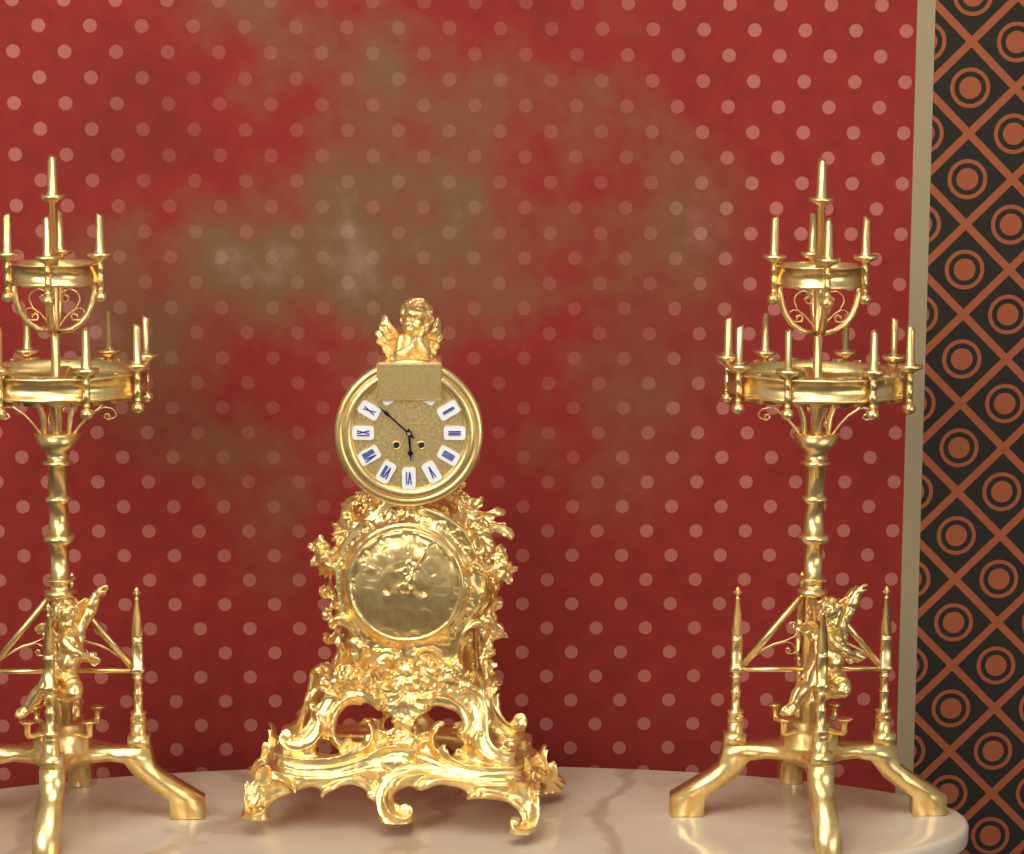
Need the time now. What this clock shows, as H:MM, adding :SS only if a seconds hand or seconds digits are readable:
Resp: 5:52
